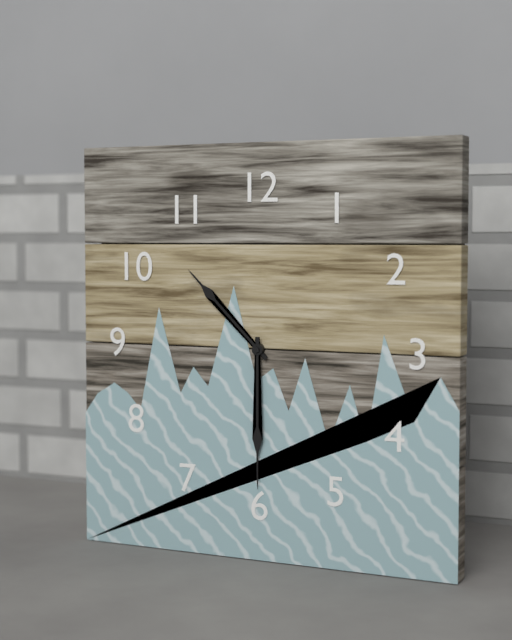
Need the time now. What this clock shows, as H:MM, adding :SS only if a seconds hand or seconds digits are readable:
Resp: 10:30
